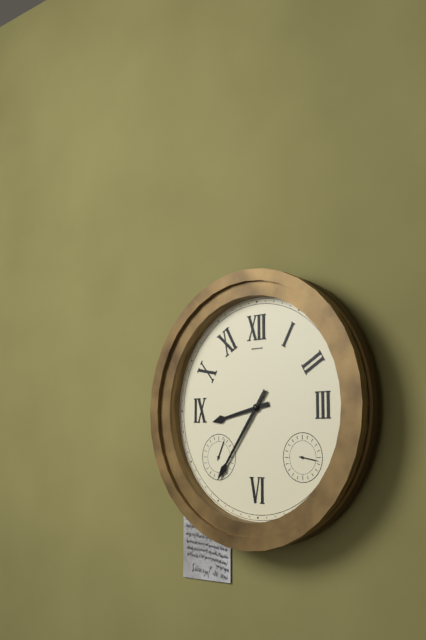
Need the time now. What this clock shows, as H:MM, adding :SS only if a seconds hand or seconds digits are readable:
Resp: 8:36
